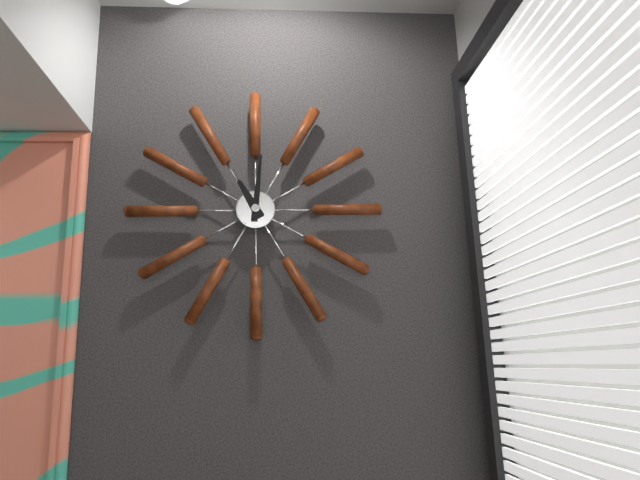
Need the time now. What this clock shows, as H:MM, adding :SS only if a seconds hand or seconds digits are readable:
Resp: 11:01
